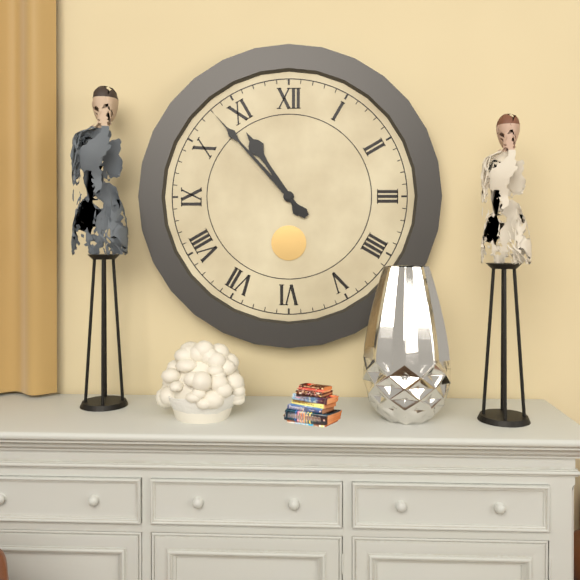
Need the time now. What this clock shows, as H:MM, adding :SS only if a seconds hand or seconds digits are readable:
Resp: 10:53
